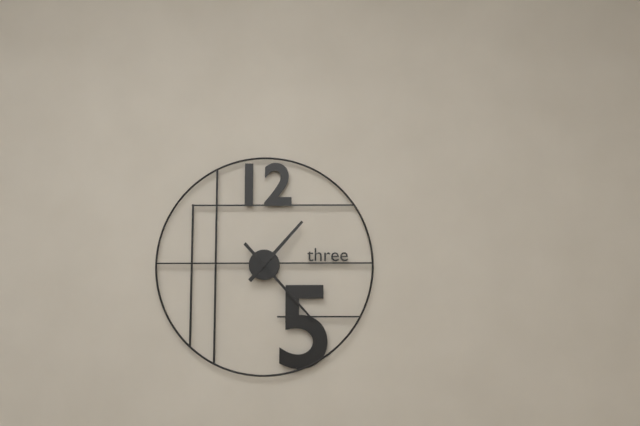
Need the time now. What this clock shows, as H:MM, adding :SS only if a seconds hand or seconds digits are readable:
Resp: 1:23
